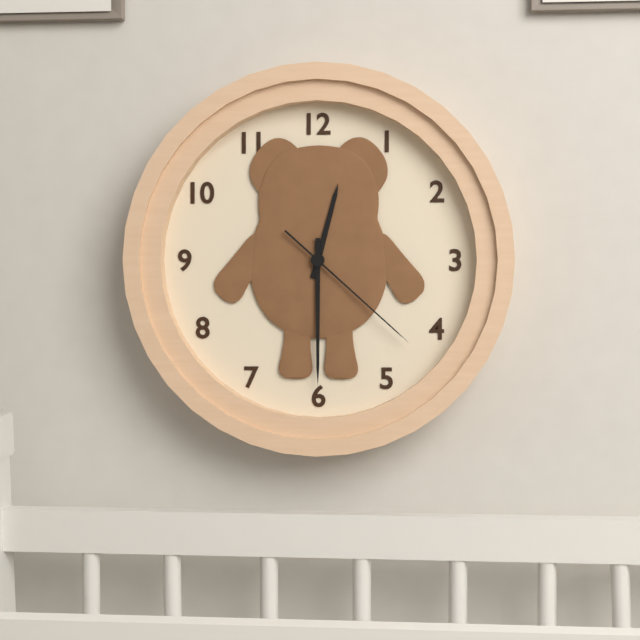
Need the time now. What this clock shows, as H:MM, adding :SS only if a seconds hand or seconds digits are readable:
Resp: 12:30:22
